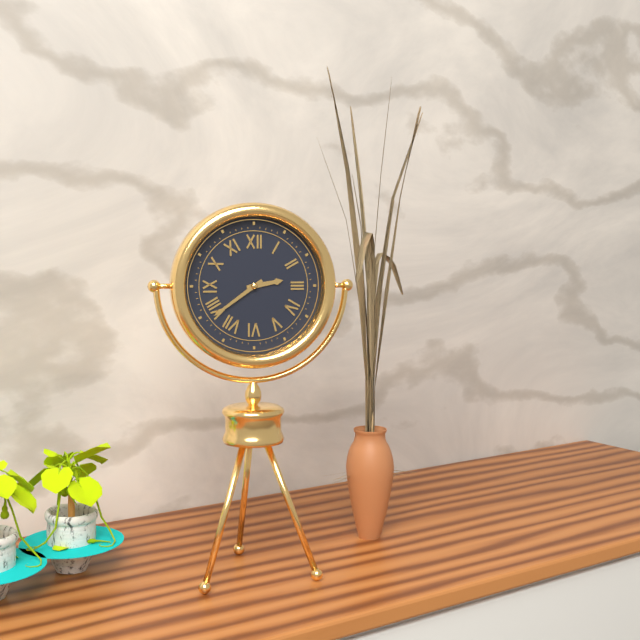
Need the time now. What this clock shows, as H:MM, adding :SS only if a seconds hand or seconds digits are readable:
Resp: 2:39
